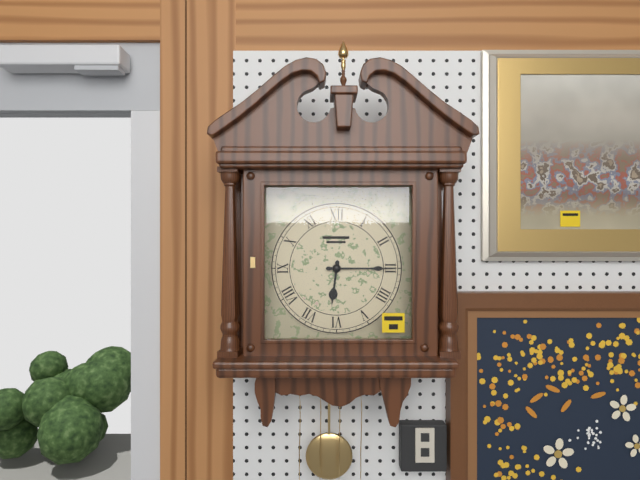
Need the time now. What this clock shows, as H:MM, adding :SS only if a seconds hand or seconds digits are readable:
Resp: 6:15
